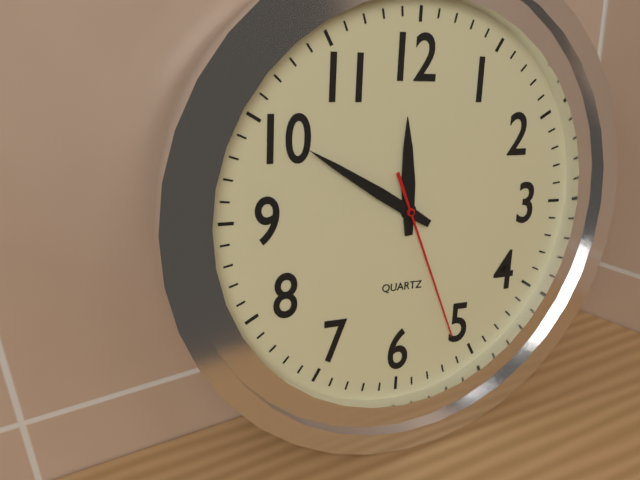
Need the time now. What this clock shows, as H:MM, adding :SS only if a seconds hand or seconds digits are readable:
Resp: 11:50:26
